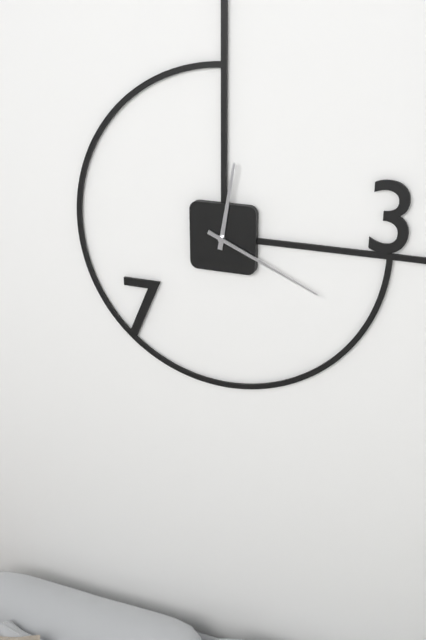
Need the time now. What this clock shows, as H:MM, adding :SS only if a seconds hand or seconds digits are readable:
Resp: 12:19
